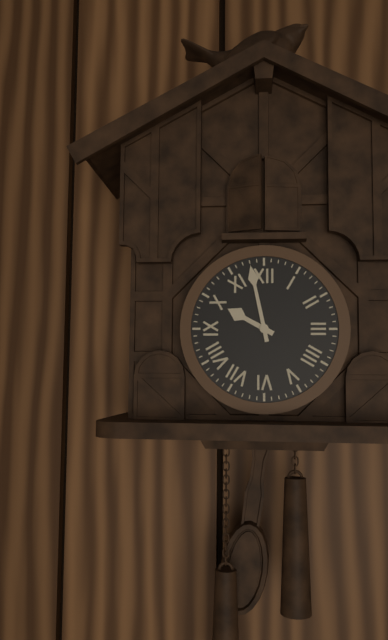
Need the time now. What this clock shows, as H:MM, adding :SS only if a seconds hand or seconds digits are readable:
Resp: 9:58
